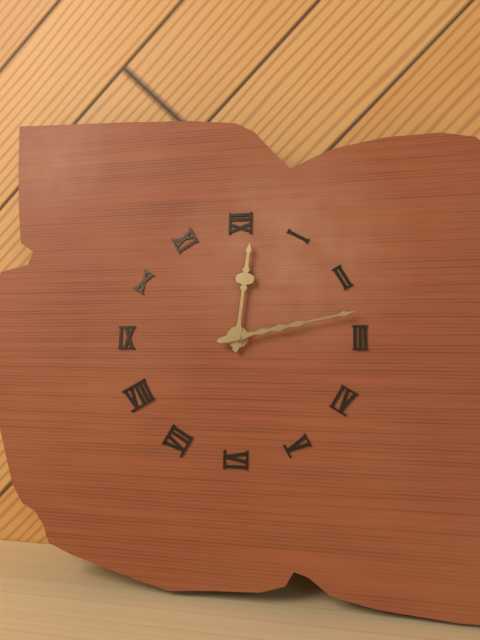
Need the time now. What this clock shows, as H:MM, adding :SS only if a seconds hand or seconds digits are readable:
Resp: 12:13
